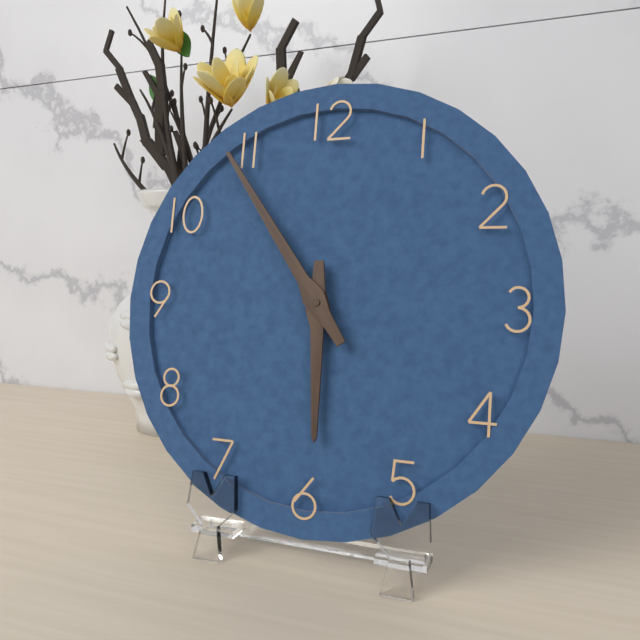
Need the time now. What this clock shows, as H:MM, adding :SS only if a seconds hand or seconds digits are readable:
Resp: 5:54
